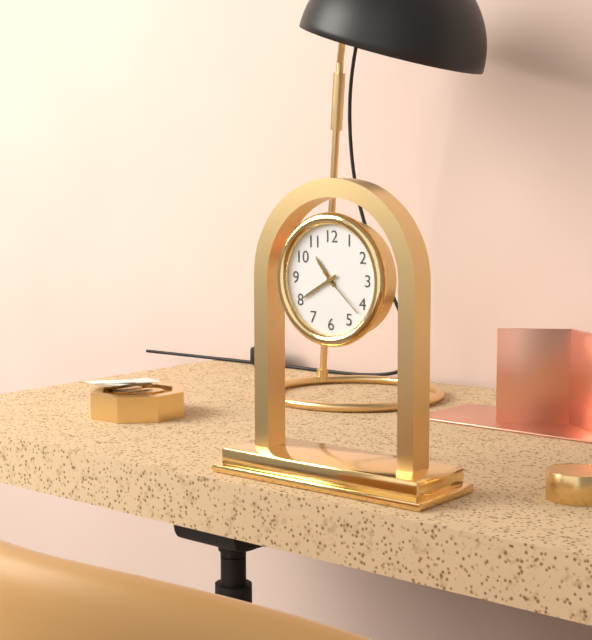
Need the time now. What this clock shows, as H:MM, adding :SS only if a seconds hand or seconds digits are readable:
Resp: 10:40:22
